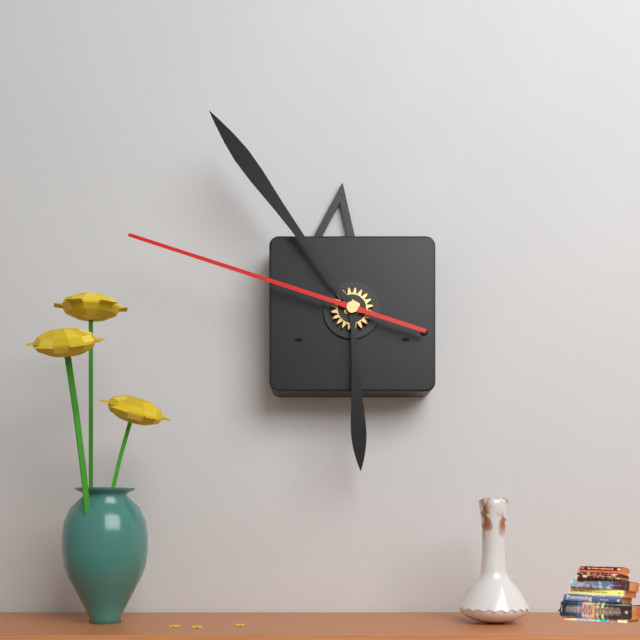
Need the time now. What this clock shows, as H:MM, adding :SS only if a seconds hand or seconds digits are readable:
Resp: 5:54:48
